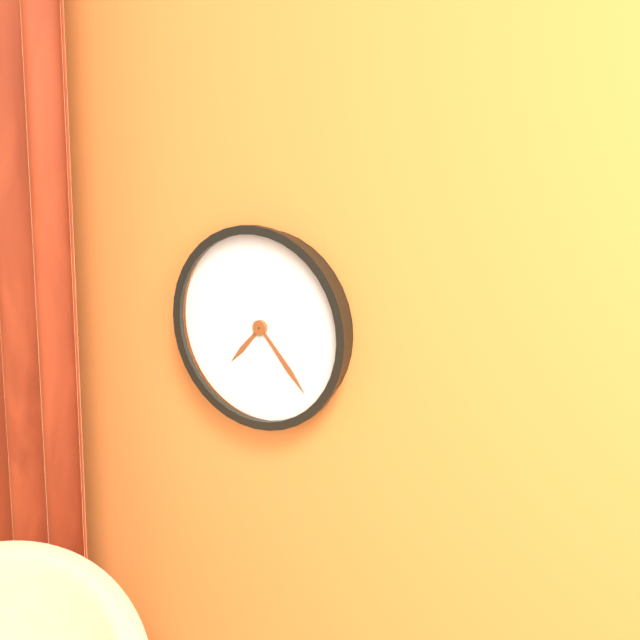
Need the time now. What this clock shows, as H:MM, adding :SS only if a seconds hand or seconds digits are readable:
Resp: 7:23
